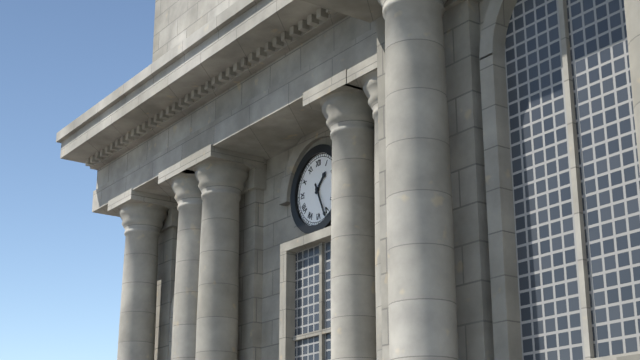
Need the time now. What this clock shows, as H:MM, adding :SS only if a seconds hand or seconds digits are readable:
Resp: 1:26
